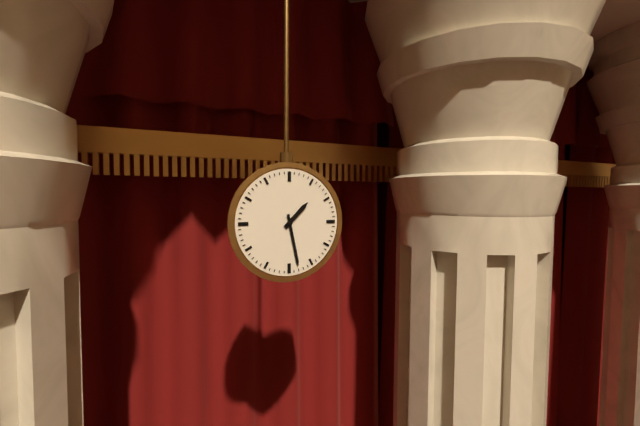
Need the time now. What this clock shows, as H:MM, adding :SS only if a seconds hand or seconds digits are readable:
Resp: 1:28
